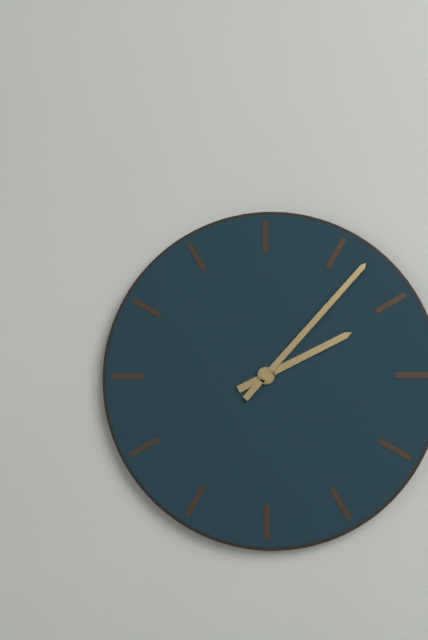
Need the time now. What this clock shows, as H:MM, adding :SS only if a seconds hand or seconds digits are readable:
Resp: 2:07
